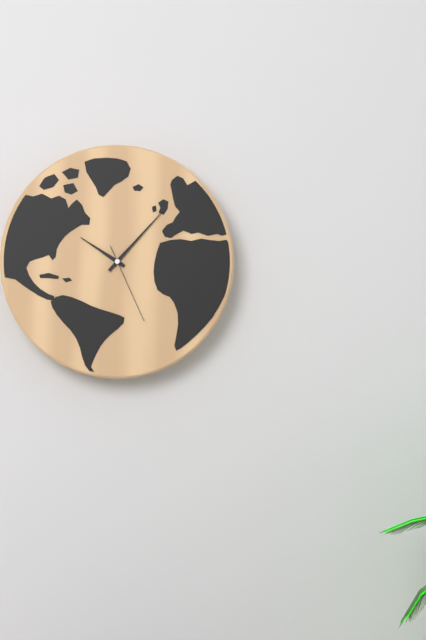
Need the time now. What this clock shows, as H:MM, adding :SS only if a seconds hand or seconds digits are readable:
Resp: 10:07:26
